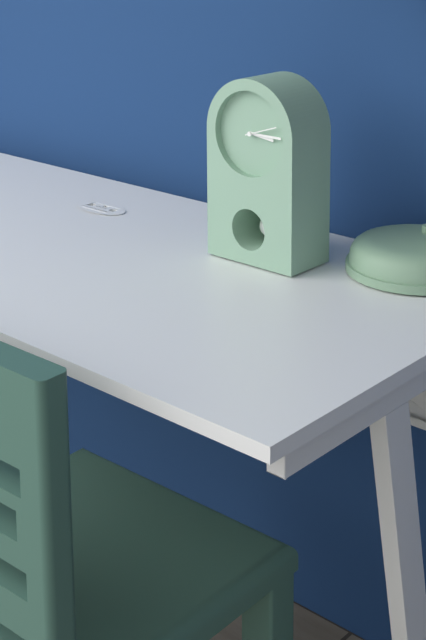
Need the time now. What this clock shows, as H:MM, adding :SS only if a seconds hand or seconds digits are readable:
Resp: 3:15
